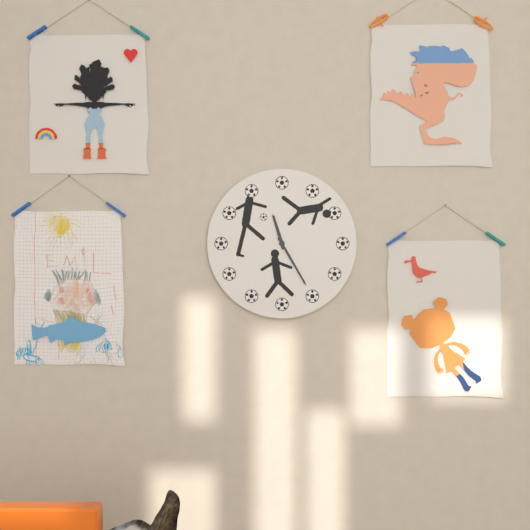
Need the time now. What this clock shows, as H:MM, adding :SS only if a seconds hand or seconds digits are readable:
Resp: 11:25
